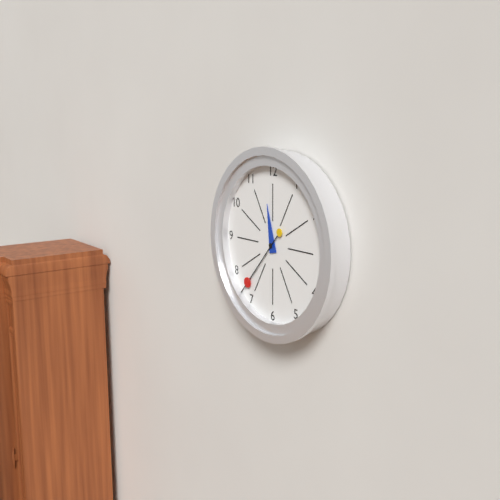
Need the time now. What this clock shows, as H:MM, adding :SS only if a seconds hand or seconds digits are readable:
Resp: 11:37
